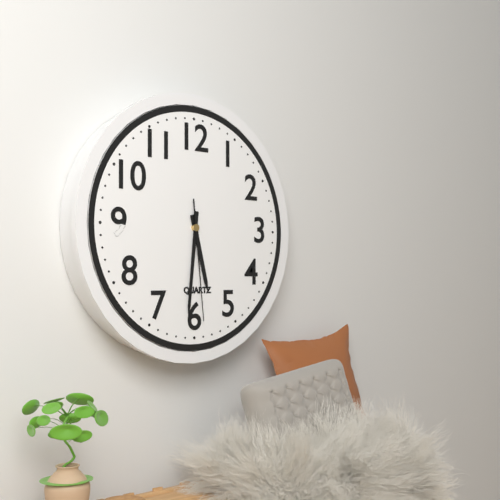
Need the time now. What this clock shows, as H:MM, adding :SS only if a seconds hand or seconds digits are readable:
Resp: 5:31:29
